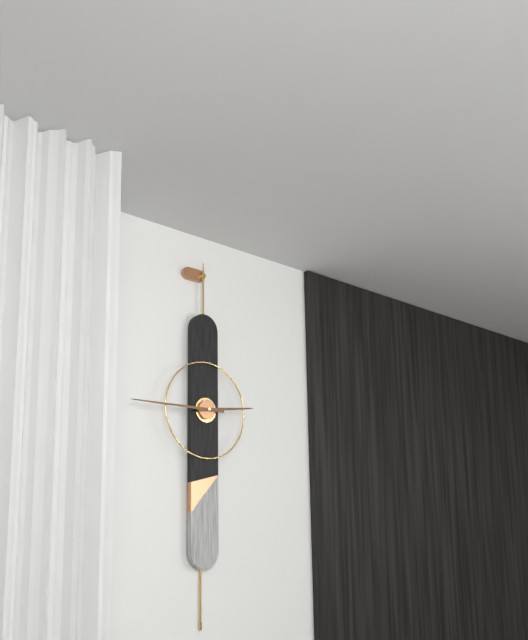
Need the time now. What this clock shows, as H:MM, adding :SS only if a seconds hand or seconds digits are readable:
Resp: 2:45
